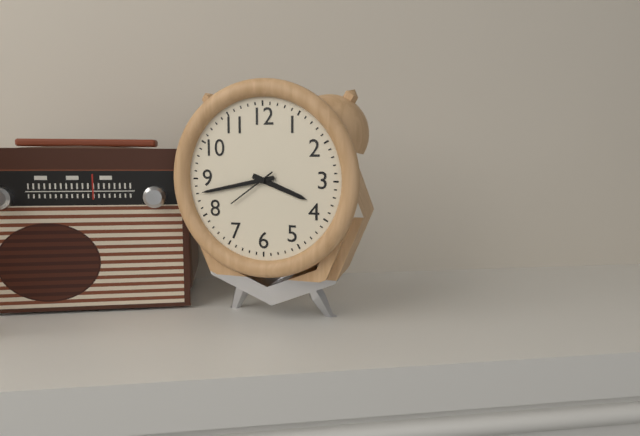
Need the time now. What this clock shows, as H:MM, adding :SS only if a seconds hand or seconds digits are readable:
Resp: 3:43:39
